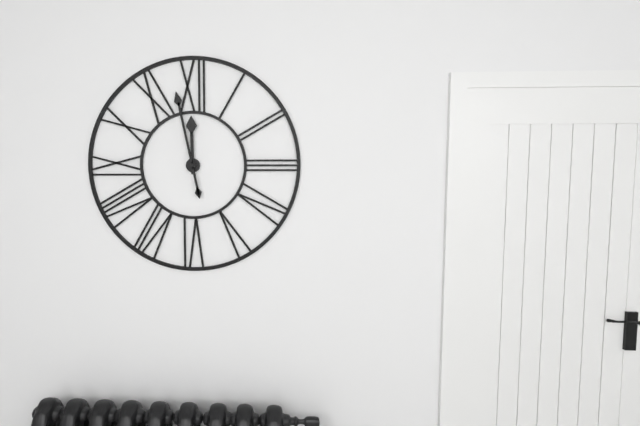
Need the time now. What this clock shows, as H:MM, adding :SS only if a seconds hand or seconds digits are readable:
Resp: 11:58
